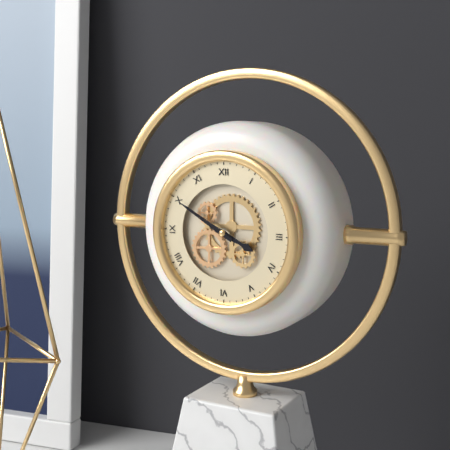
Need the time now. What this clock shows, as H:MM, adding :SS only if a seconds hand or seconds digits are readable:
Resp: 3:50
